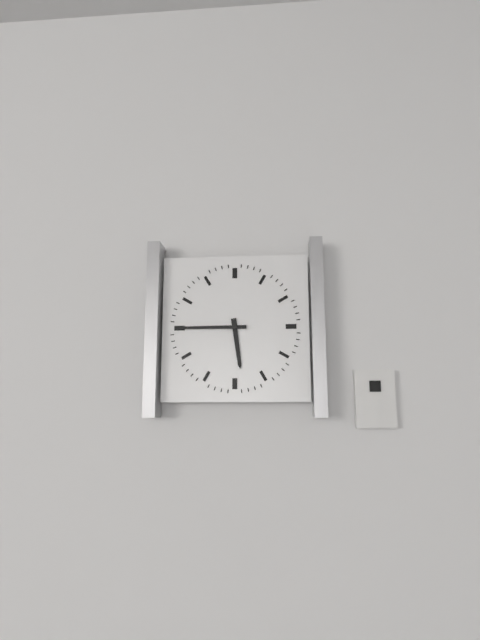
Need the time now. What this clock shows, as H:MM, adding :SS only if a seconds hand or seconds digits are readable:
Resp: 5:45
